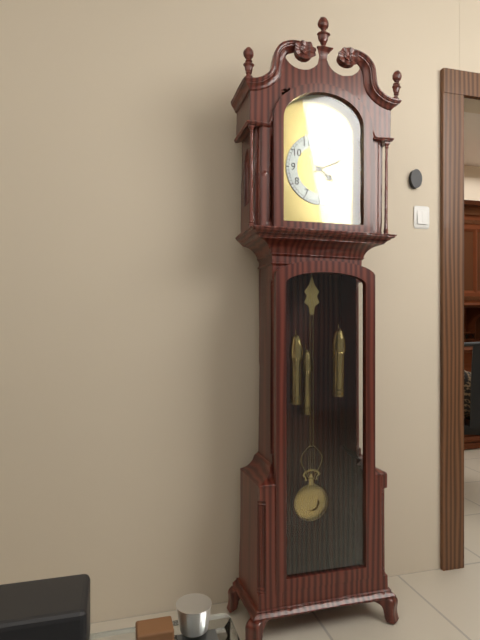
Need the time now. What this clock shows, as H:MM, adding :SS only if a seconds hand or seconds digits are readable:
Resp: 4:11
